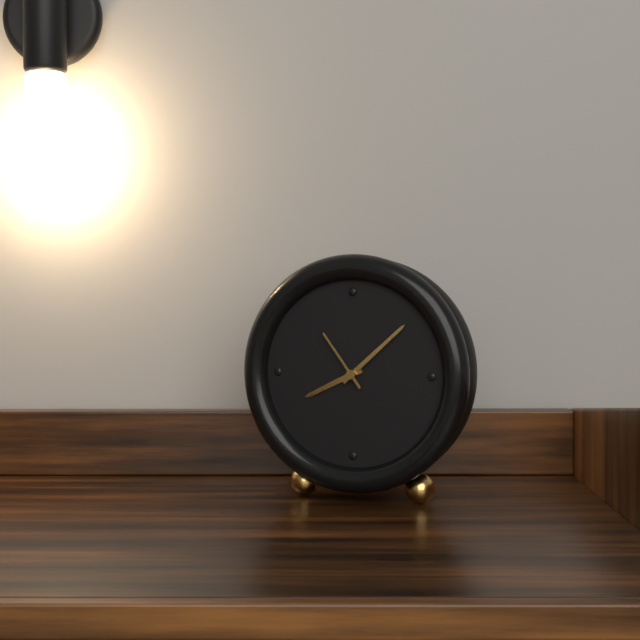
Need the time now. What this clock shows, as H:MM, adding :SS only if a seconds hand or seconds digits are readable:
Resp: 8:08:54
